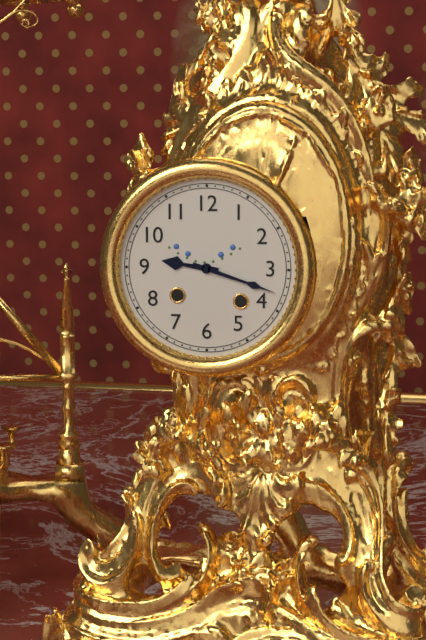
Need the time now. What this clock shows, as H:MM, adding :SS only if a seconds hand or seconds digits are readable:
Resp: 9:18
